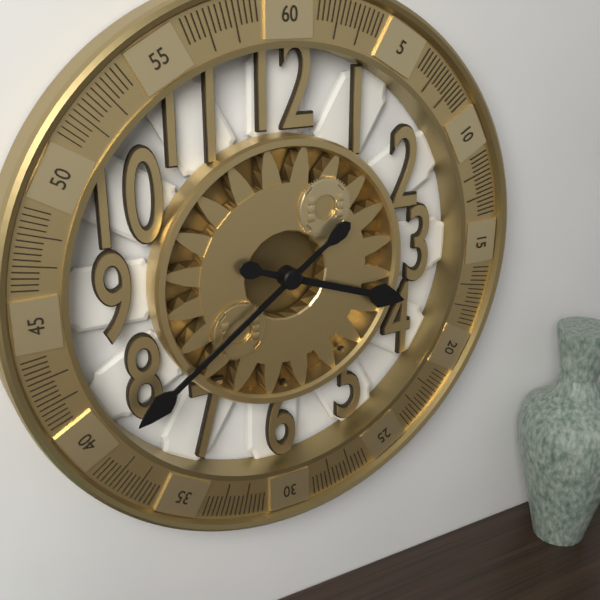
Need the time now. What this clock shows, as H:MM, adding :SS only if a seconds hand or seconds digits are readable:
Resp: 3:39
